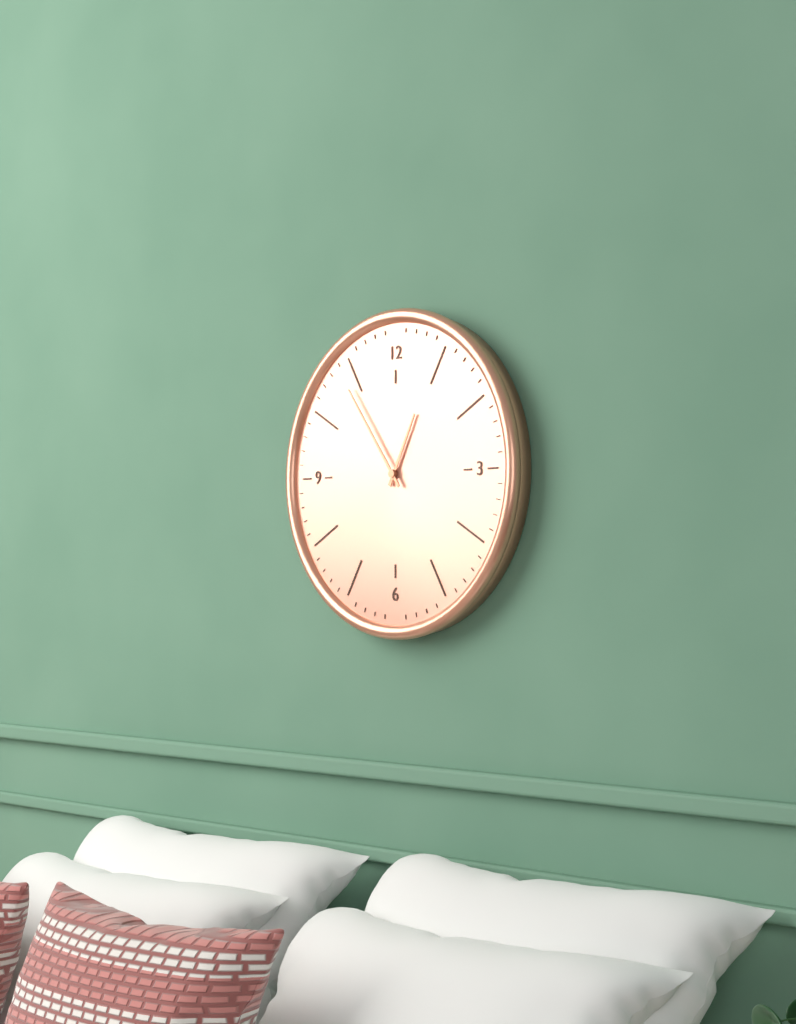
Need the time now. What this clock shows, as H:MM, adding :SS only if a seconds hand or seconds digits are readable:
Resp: 12:54
